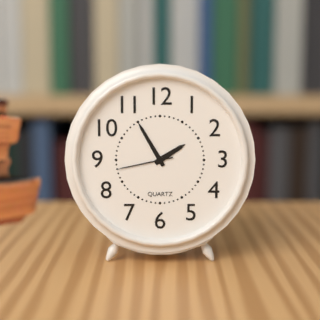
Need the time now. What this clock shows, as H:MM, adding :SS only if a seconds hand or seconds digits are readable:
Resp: 1:55:43
